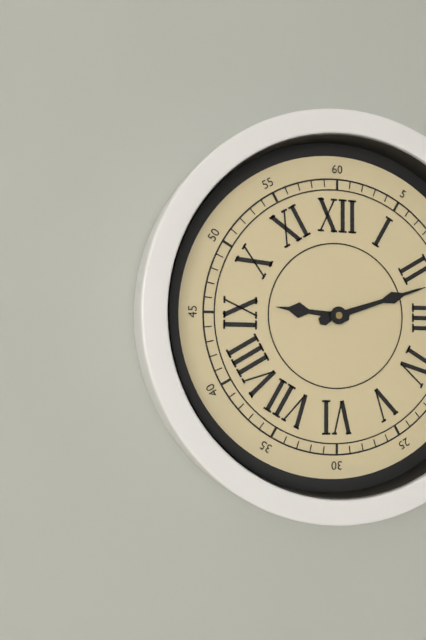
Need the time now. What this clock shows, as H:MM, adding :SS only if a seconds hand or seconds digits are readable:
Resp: 9:12
